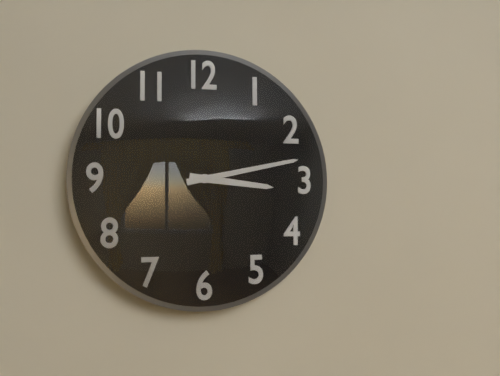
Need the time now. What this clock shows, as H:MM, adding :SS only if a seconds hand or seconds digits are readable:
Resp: 3:13
